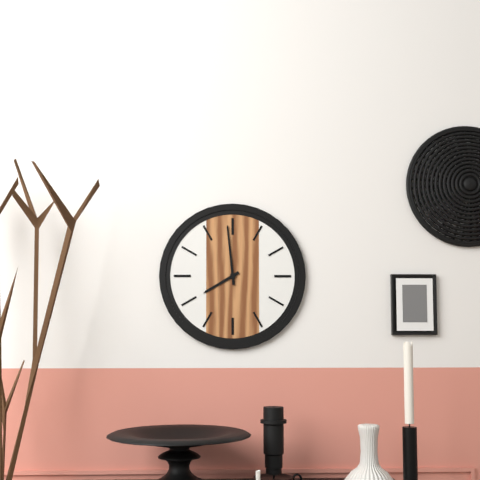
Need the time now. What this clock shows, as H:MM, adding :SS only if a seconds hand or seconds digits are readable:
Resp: 7:59
